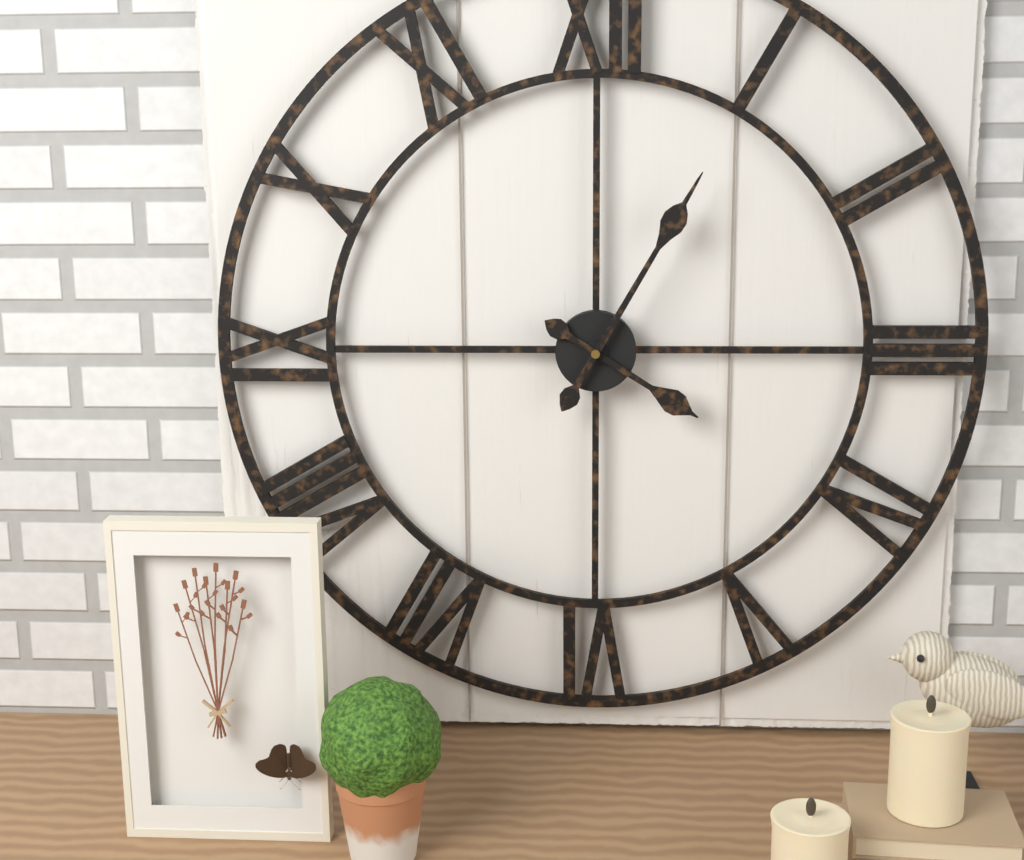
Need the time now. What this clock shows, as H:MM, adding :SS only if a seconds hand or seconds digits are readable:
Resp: 4:05
